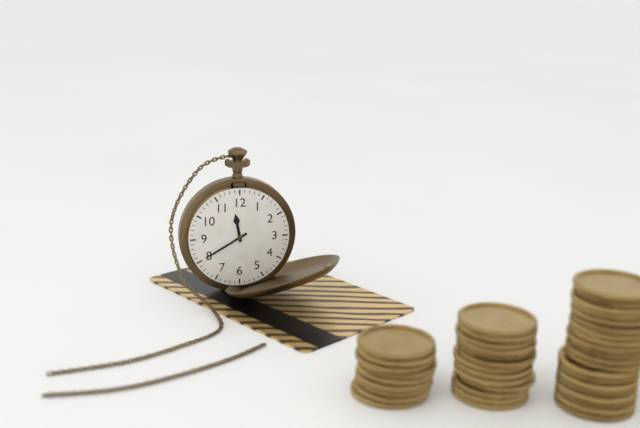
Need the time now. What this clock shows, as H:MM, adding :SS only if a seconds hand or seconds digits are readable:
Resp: 11:40
